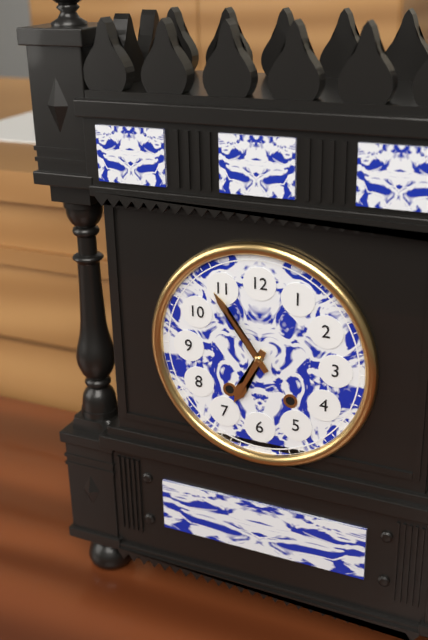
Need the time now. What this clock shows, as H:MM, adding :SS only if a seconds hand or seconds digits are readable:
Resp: 6:54
